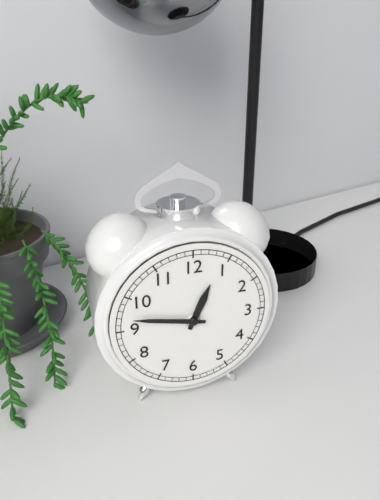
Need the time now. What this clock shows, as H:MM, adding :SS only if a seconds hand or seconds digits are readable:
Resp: 12:47
